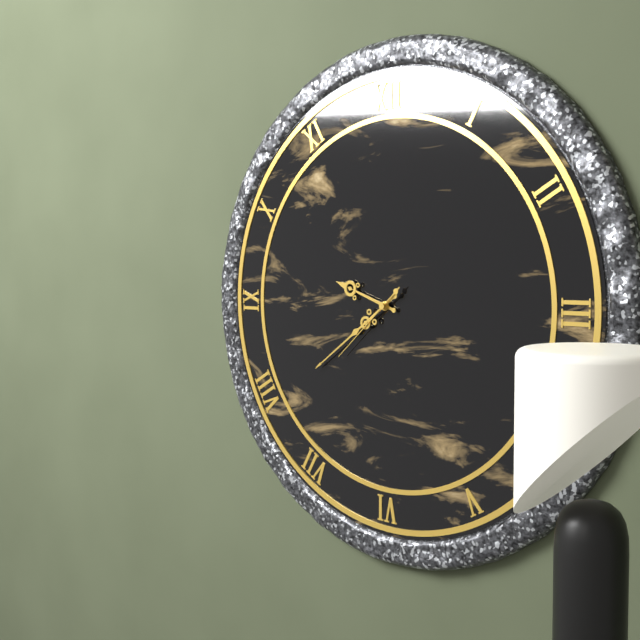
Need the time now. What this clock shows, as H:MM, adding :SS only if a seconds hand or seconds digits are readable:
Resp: 9:39:38
